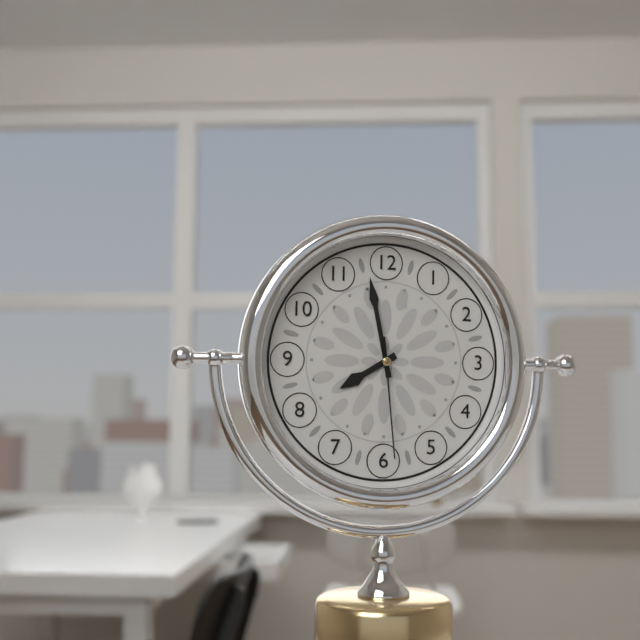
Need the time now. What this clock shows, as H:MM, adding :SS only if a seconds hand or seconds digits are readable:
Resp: 7:58:29
